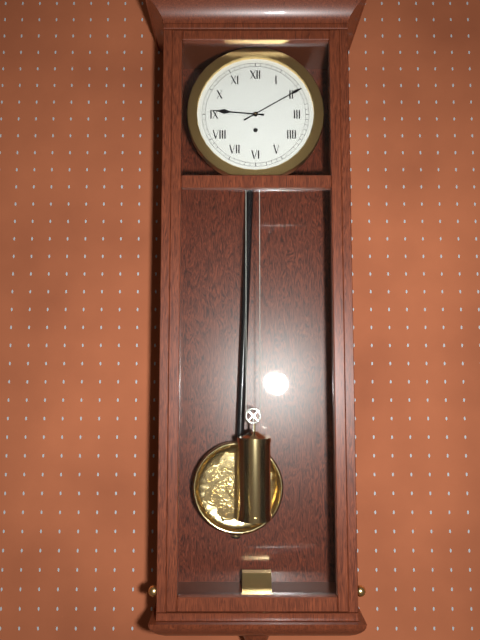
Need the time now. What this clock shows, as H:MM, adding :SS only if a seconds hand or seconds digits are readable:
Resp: 9:10
